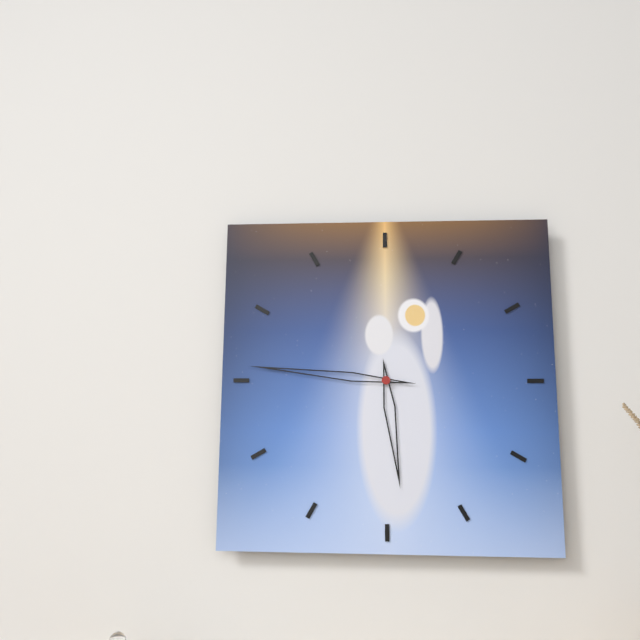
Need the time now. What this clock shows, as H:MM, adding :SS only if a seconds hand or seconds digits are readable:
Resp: 5:46
